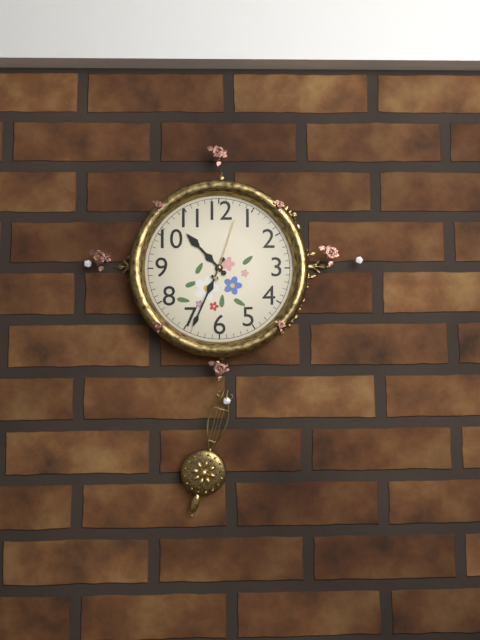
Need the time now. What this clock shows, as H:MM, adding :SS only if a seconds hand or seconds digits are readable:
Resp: 10:34:03
